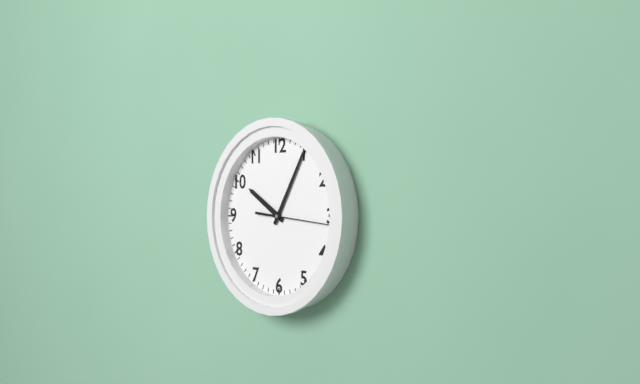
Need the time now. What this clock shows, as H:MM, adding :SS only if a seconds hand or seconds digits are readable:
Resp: 10:05:16
